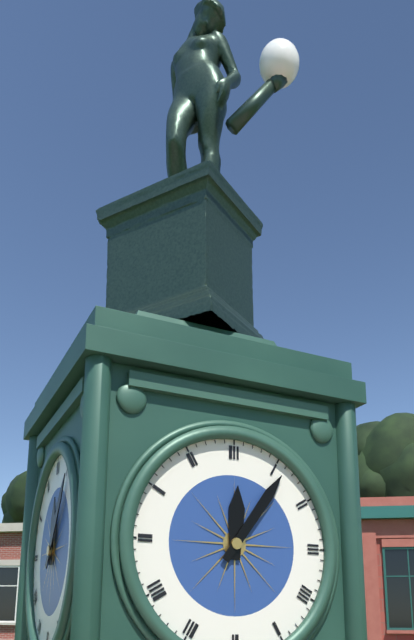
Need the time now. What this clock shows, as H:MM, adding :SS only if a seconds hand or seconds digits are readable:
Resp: 12:06
